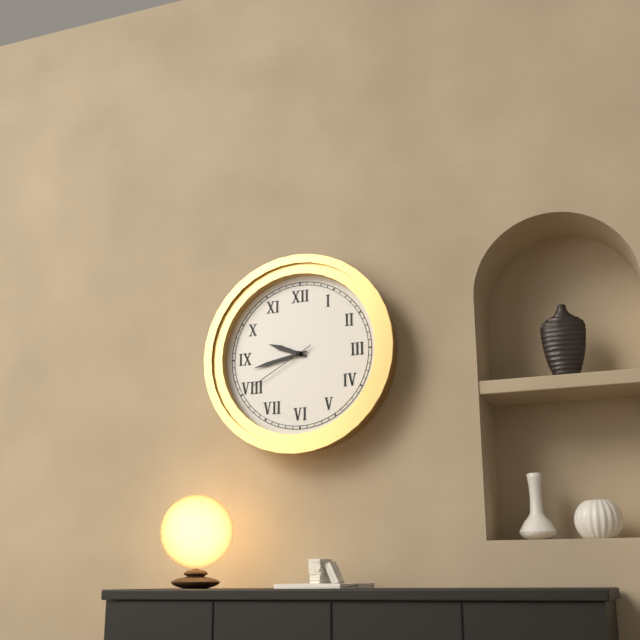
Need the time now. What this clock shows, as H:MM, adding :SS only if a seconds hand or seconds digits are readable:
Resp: 9:43:40
